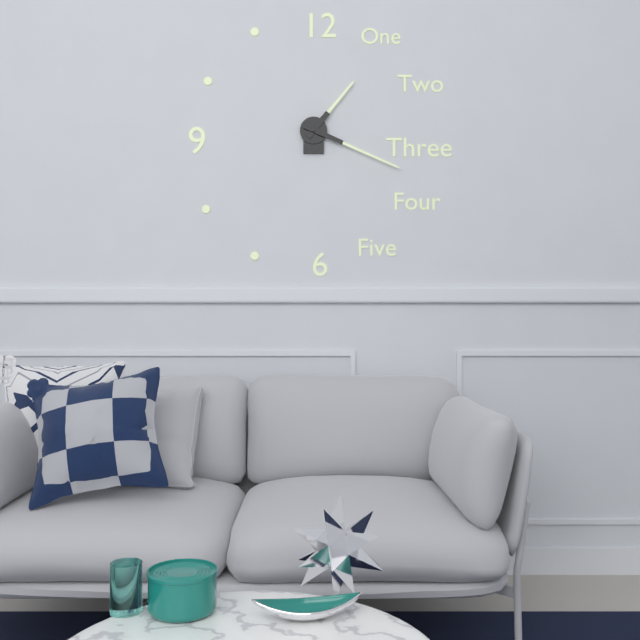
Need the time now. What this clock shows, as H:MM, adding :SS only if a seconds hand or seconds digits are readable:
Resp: 1:19
